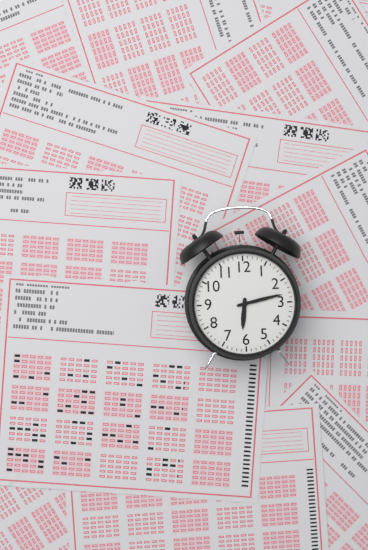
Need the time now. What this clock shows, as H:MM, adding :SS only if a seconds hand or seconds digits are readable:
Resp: 6:13
